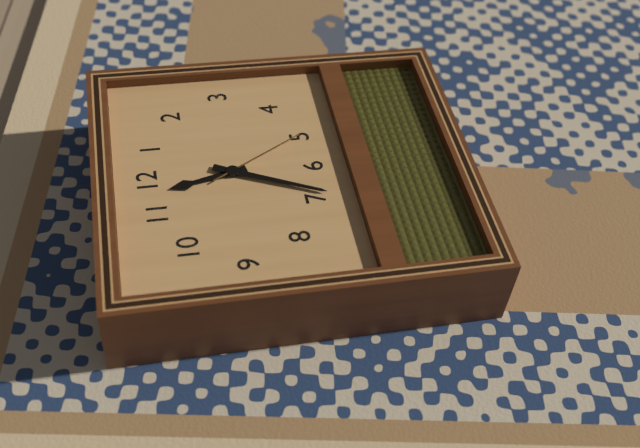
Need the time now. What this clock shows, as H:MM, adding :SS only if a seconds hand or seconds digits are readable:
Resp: 11:34:25
